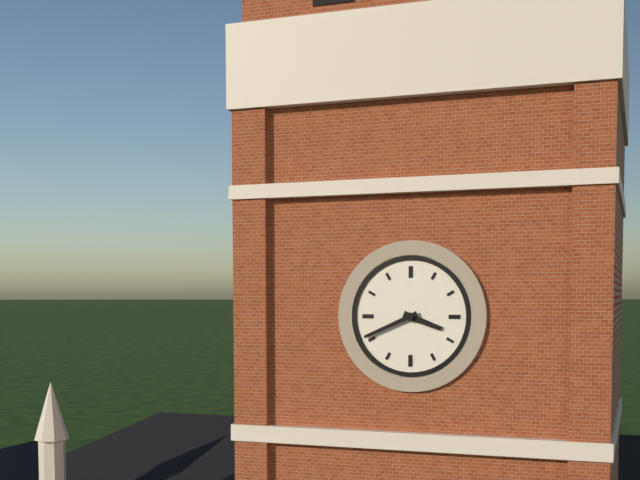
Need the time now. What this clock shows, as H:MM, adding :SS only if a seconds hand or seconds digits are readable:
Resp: 3:41
